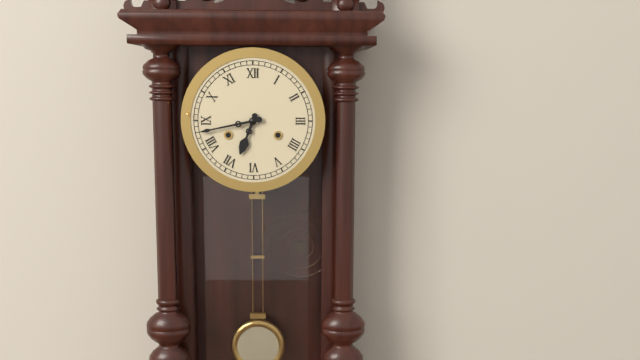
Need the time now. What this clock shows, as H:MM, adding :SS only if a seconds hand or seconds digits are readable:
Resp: 6:43
